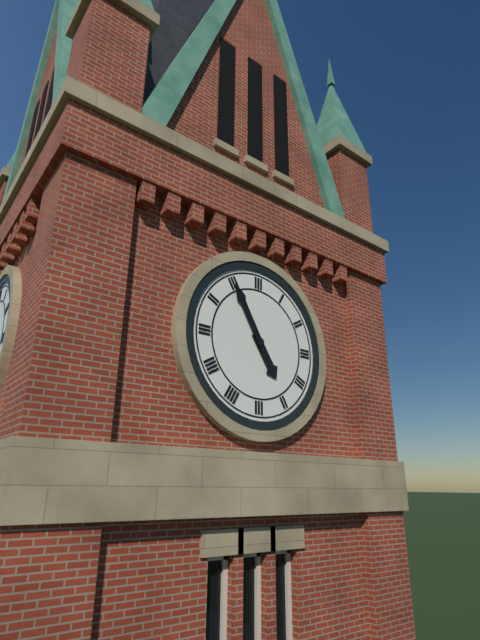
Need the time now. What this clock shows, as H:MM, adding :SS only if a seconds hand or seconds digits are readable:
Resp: 4:55
